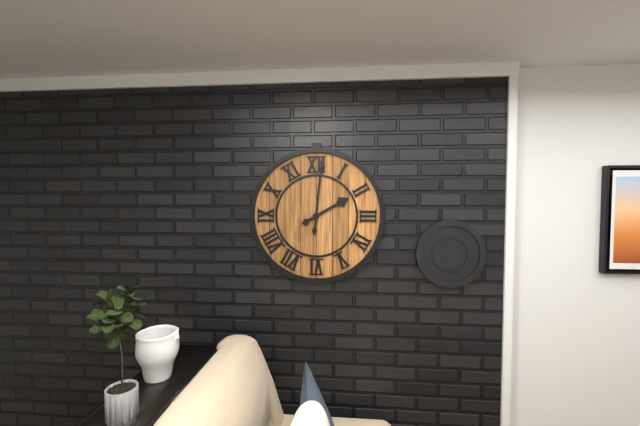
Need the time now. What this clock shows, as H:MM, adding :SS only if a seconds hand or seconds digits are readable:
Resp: 2:01
